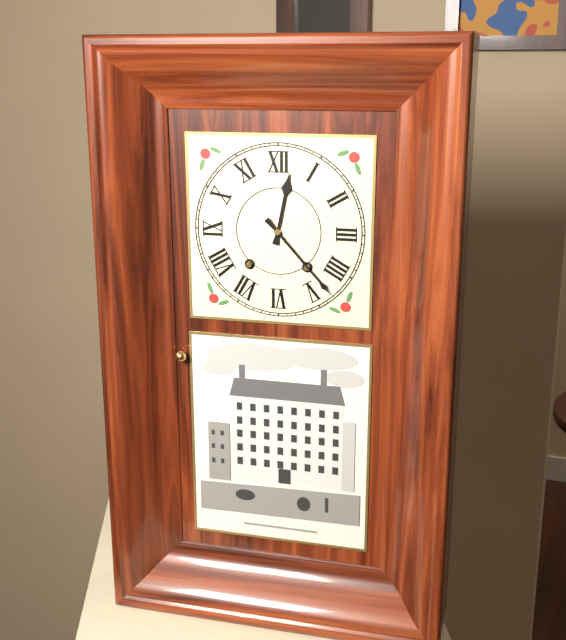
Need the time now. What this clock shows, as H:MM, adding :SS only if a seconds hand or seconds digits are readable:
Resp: 12:23
